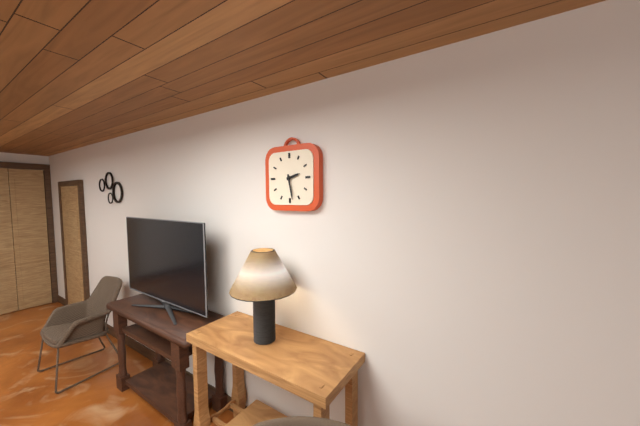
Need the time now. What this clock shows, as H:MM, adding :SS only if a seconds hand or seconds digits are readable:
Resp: 2:28
